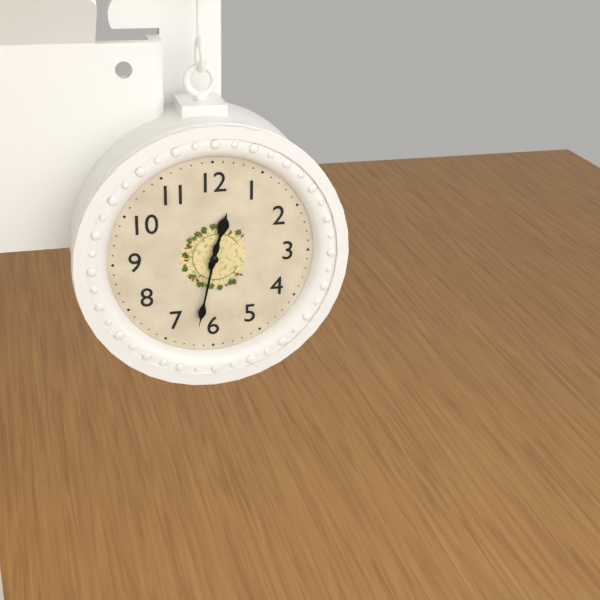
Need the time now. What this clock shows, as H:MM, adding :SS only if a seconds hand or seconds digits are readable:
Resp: 12:32
